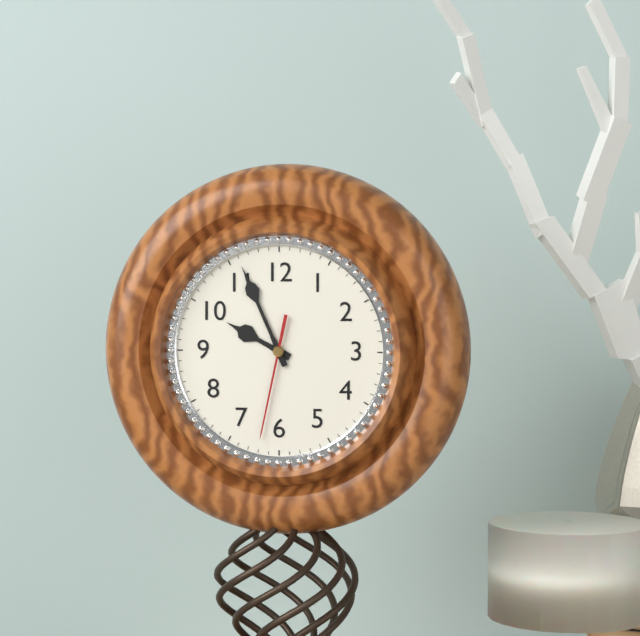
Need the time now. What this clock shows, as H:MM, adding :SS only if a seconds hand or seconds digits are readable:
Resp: 9:56:32
